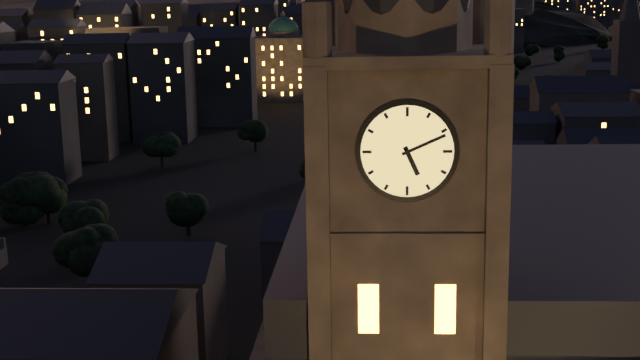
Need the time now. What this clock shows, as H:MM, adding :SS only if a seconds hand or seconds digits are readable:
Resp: 5:11
